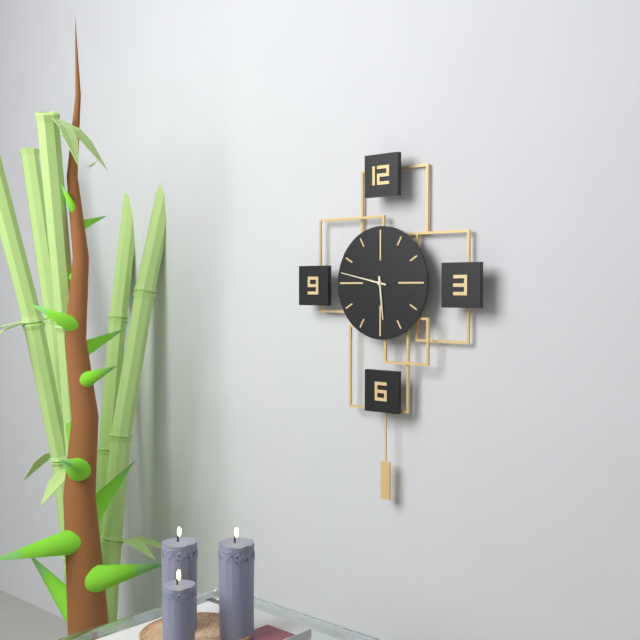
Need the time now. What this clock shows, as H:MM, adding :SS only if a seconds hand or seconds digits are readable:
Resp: 5:47
